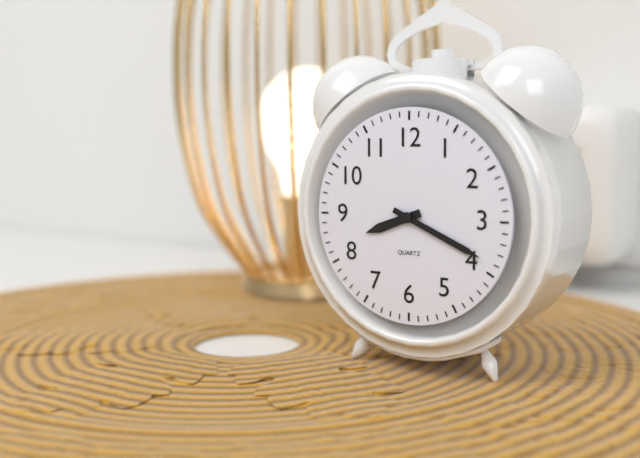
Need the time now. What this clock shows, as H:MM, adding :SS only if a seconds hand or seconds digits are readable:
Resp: 8:19
